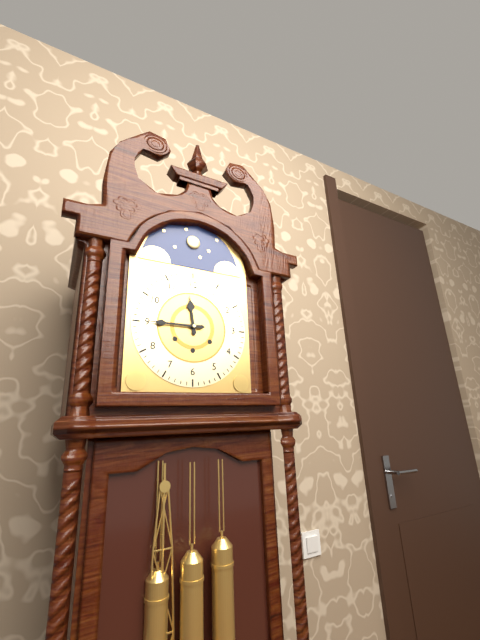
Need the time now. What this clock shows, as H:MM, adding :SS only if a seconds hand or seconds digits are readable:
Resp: 11:45
